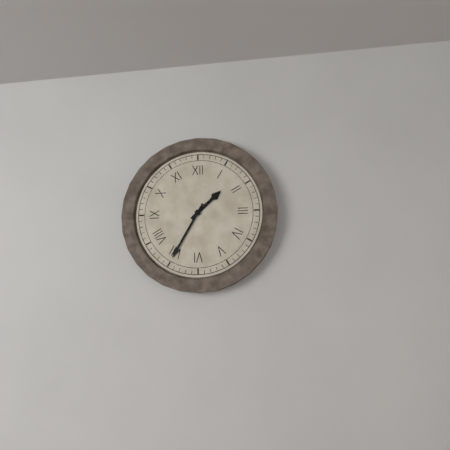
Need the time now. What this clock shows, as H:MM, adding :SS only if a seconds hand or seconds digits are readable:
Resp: 1:35
